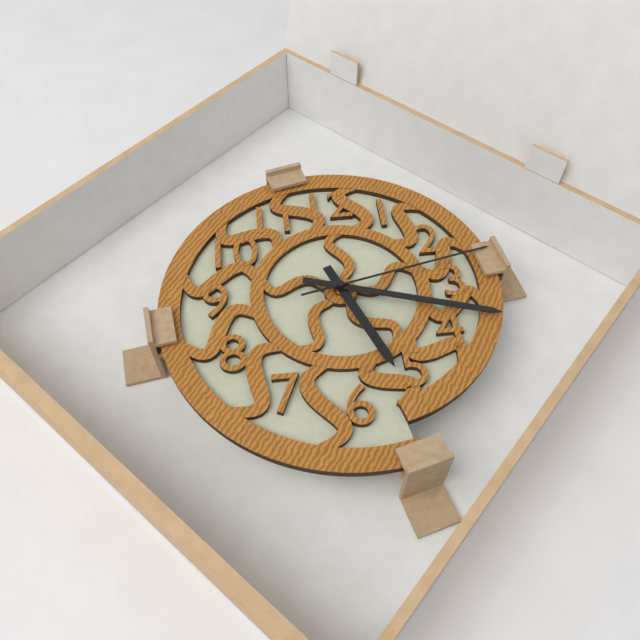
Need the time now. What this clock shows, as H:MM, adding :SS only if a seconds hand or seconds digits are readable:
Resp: 5:18:13
